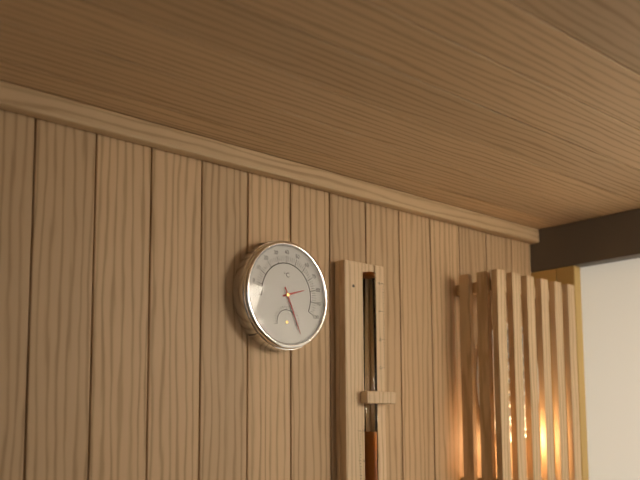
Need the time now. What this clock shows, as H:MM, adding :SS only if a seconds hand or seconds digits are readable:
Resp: 2:26
